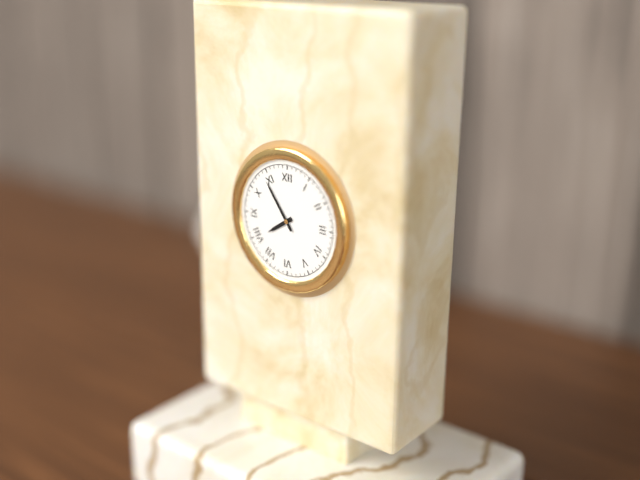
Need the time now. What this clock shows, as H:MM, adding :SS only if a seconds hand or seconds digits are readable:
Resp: 7:54
